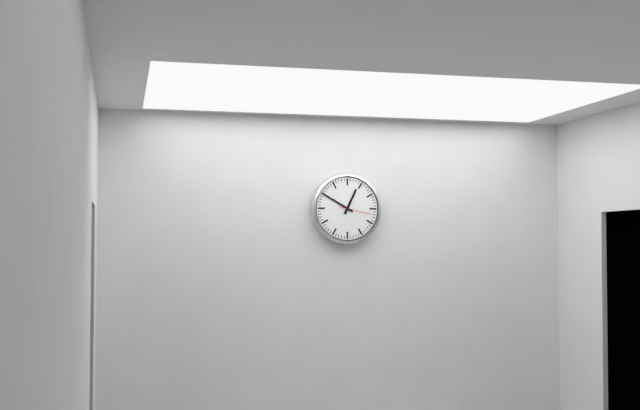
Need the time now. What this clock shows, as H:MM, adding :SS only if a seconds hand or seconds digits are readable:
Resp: 12:50
